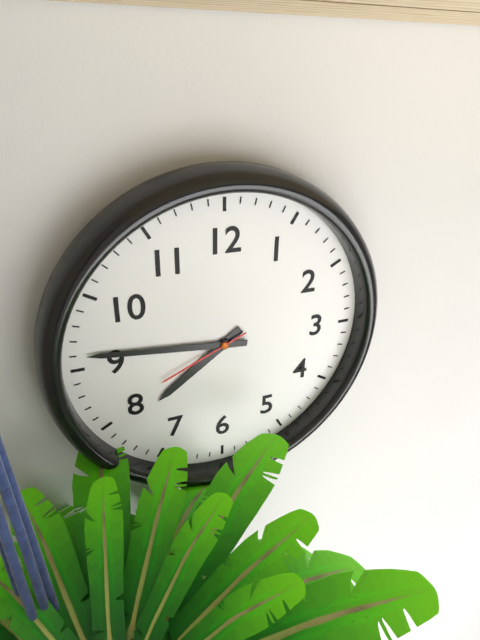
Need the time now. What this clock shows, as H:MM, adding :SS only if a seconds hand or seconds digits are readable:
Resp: 7:46:41
